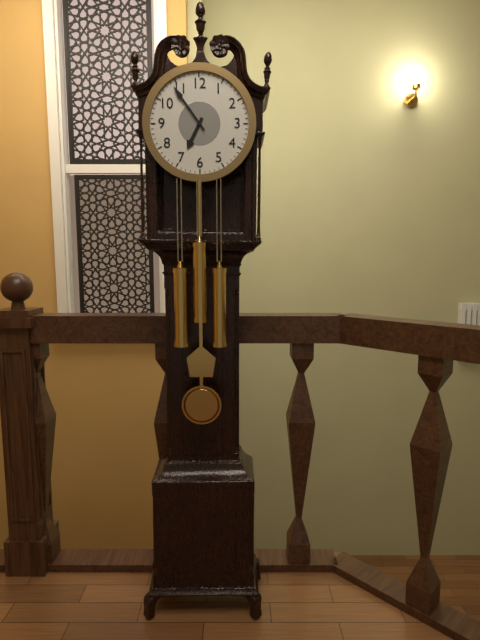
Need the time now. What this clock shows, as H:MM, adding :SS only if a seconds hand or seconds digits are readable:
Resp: 6:54
